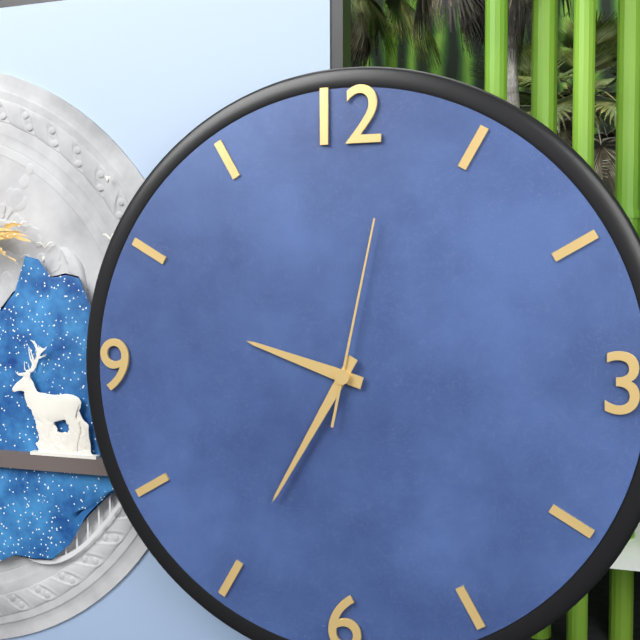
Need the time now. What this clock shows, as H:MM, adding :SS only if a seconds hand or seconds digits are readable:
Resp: 9:35:02
